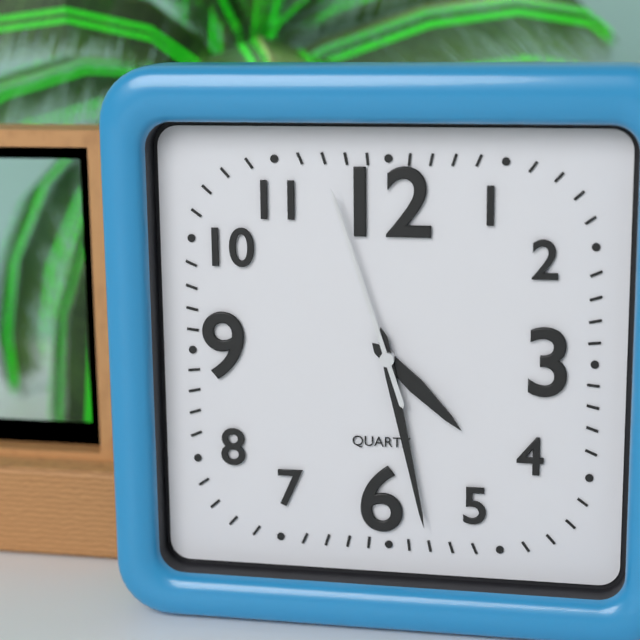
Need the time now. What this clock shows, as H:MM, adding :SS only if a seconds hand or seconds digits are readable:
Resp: 4:28:57
